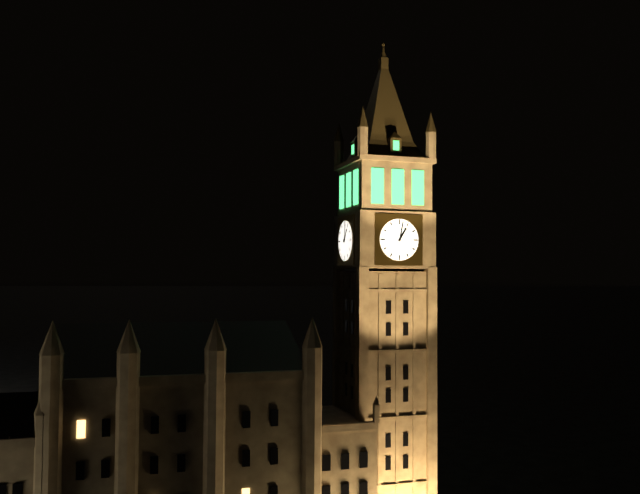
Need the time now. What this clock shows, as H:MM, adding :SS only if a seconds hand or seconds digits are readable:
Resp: 1:02
